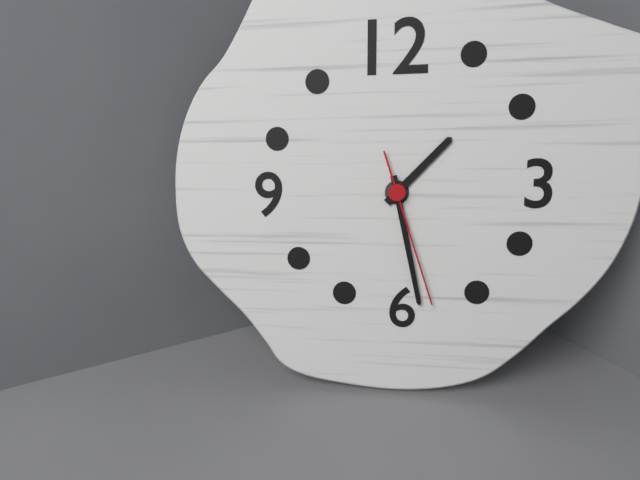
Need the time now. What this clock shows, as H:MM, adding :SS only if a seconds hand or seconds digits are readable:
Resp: 1:28:27
